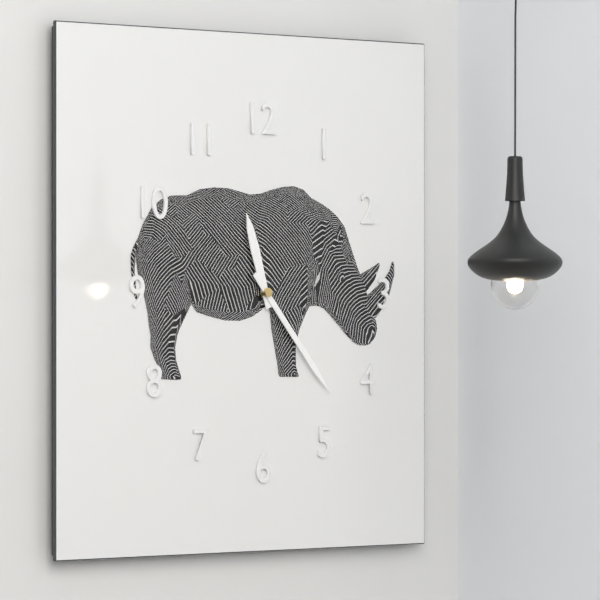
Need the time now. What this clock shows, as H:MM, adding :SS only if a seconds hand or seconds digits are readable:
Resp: 11:23
